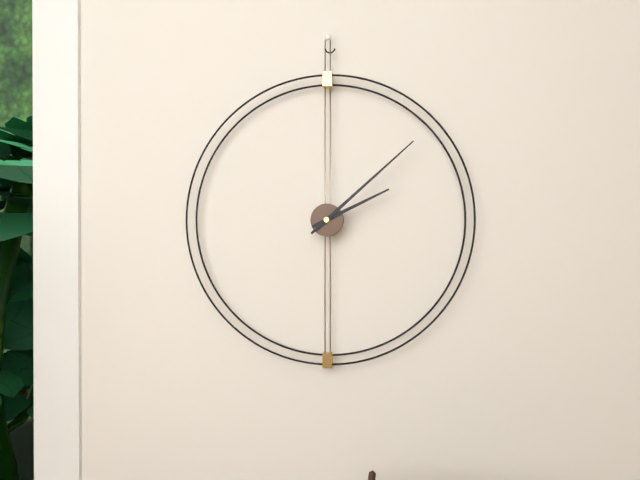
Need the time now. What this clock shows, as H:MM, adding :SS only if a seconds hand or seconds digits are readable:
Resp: 2:08
